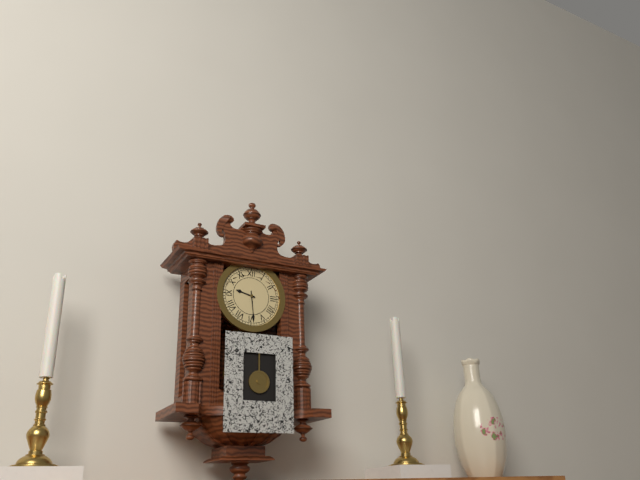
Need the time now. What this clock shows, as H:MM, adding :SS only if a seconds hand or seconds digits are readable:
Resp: 9:29
